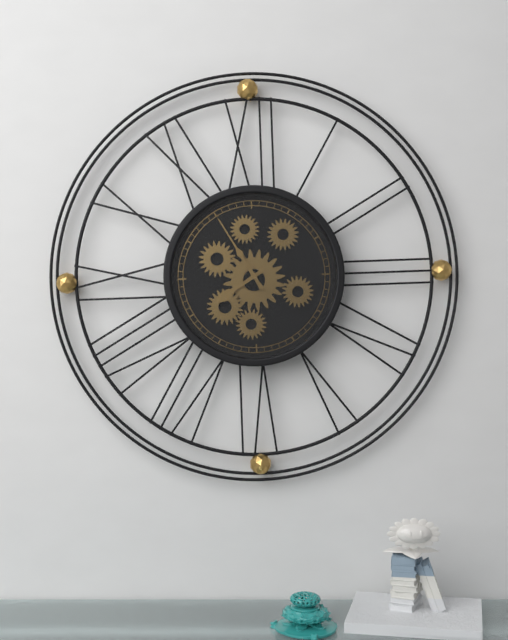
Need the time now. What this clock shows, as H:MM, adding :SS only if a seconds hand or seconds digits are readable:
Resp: 7:55
